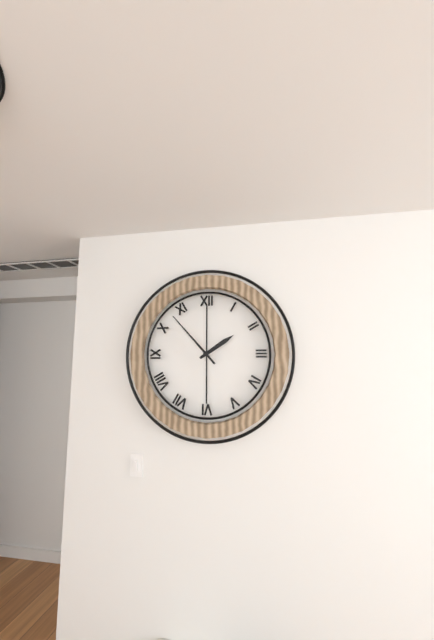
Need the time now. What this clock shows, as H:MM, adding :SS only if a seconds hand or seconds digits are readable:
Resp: 1:53
